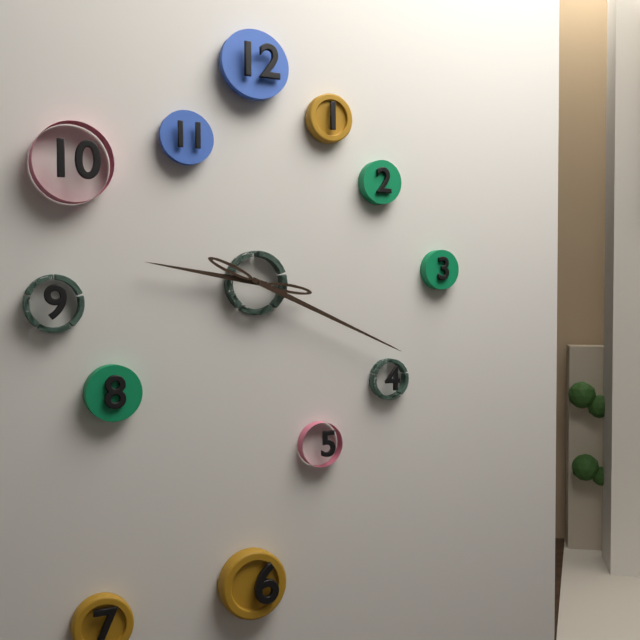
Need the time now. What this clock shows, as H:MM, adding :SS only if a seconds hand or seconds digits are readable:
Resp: 9:19
